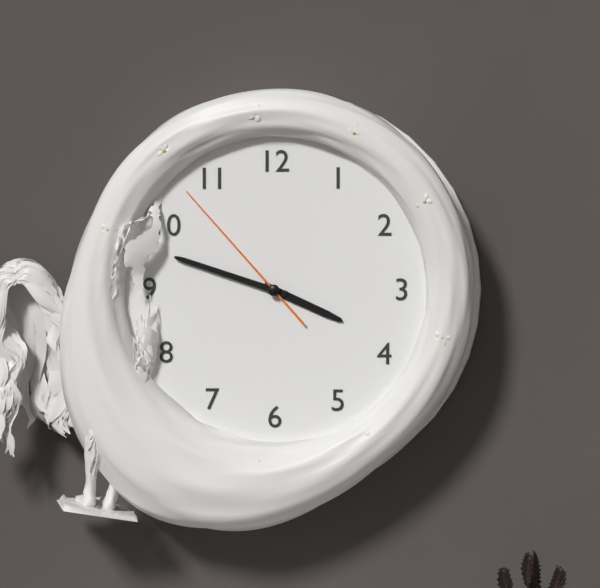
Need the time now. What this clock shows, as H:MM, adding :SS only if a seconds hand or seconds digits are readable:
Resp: 3:48:53
